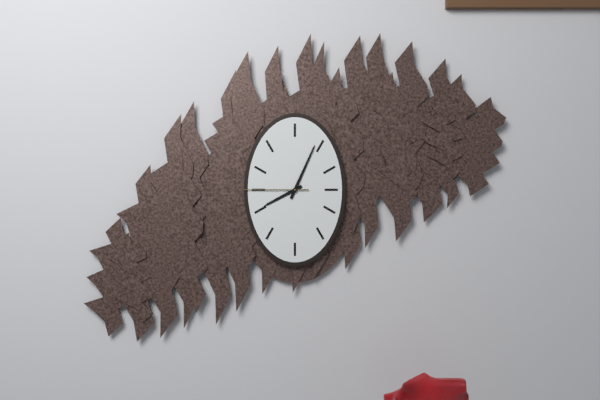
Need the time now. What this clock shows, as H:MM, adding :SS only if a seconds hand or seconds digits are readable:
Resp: 8:04:45
